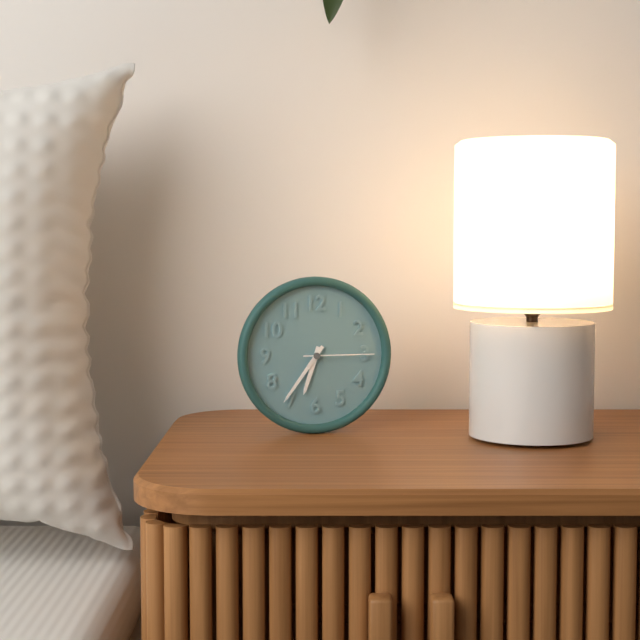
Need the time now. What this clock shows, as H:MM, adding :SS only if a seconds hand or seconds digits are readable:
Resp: 6:36:15
